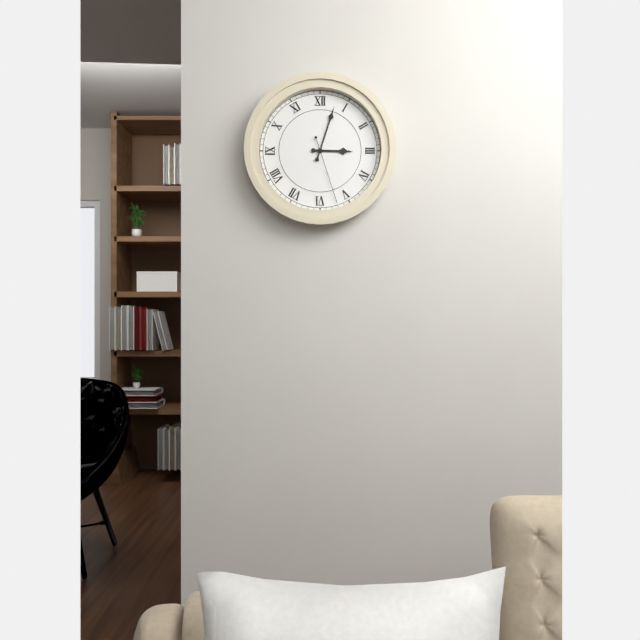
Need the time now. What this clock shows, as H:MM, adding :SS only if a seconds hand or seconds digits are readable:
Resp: 3:03:27
